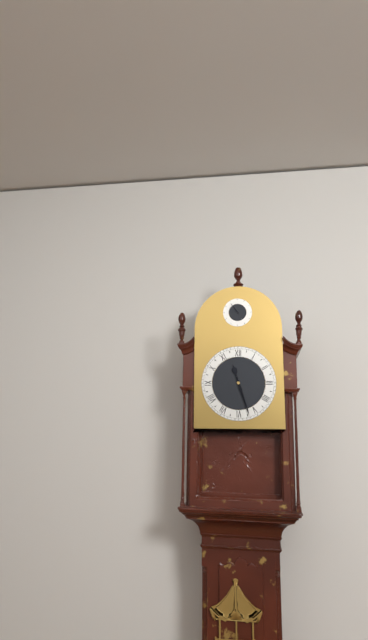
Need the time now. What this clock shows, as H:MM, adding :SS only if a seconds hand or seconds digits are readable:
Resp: 11:27
